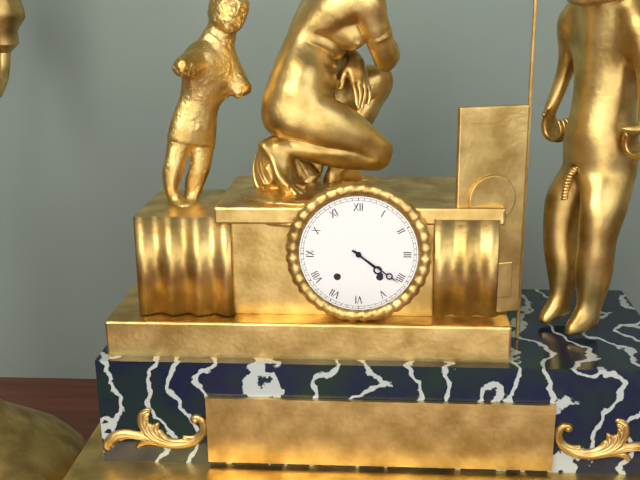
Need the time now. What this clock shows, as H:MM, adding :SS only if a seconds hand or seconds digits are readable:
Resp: 4:21
